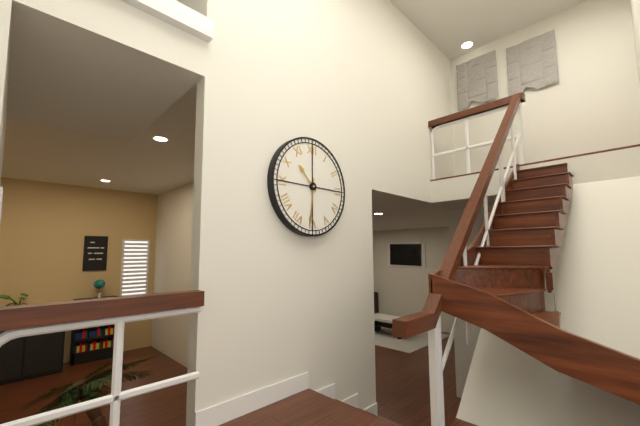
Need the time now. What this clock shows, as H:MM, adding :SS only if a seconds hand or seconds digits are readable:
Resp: 10:31
